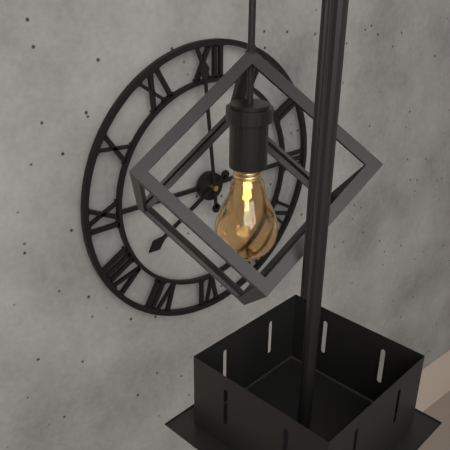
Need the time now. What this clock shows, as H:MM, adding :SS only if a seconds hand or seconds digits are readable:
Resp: 7:59
